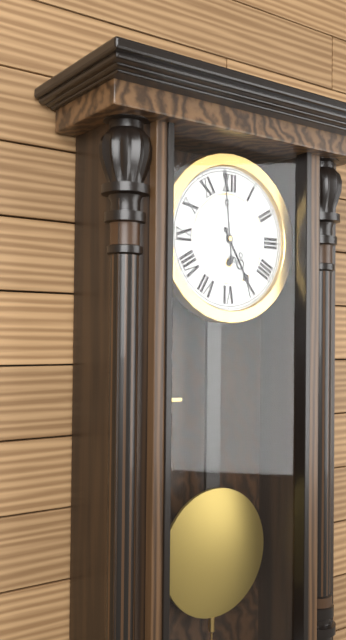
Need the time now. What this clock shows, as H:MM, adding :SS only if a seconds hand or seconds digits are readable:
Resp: 4:59
